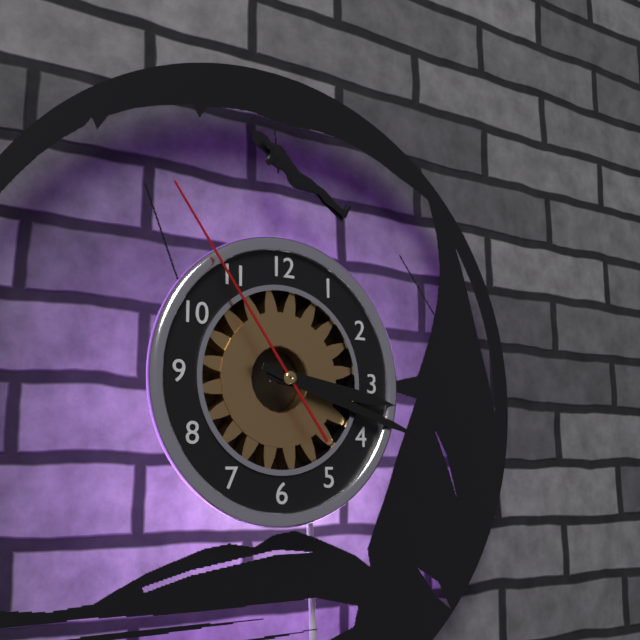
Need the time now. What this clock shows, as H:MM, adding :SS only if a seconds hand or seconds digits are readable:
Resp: 3:18:54
